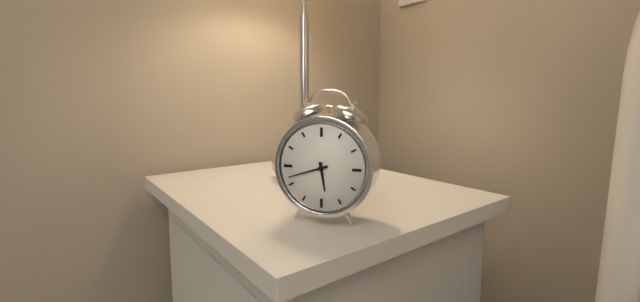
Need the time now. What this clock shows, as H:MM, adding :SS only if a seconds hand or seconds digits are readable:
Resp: 5:42
